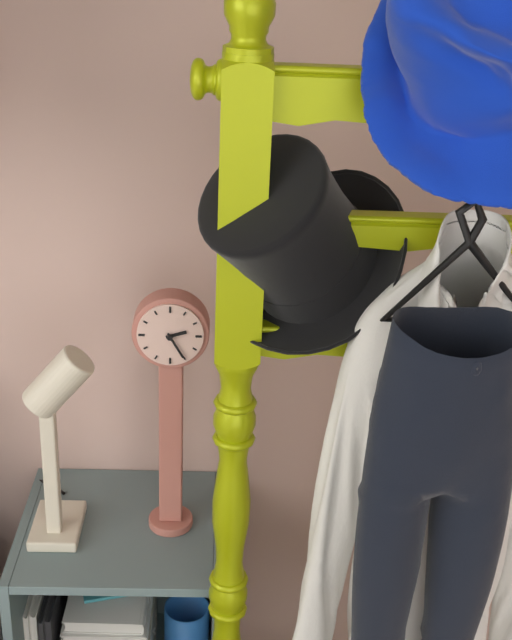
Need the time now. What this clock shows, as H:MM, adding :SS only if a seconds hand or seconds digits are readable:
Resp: 2:25
